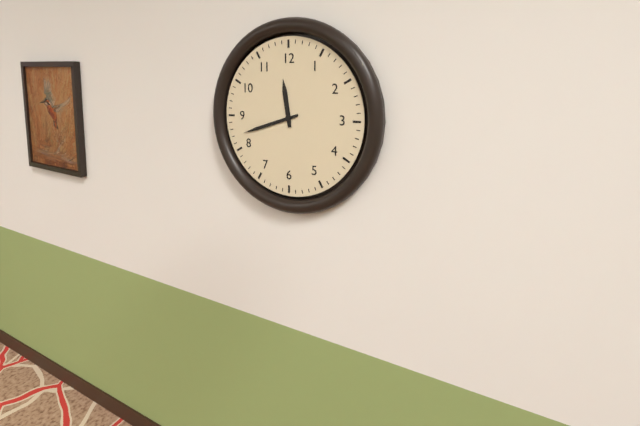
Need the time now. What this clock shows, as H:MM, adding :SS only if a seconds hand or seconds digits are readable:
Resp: 11:42
